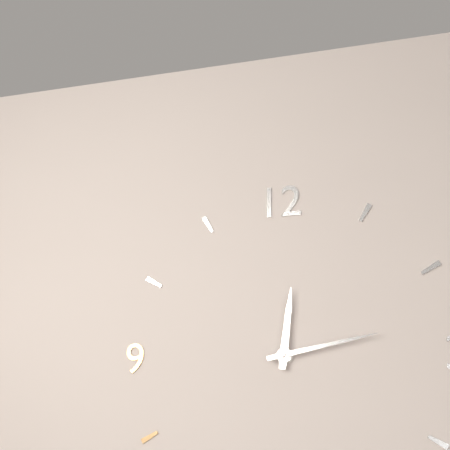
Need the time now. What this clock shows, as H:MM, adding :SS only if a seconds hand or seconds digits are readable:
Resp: 12:13
